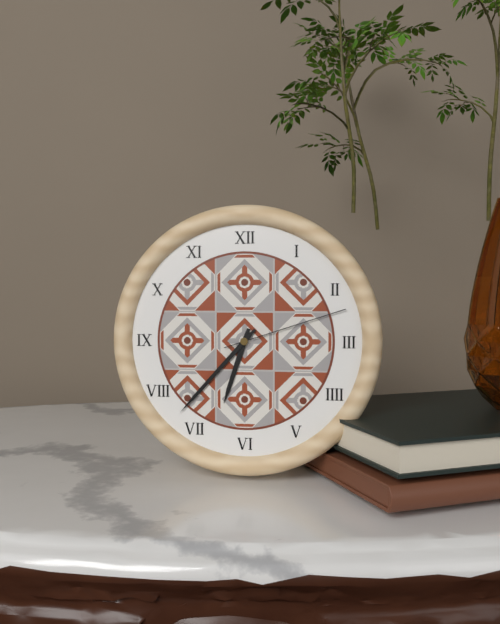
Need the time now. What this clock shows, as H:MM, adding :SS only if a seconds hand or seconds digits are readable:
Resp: 6:37:12
